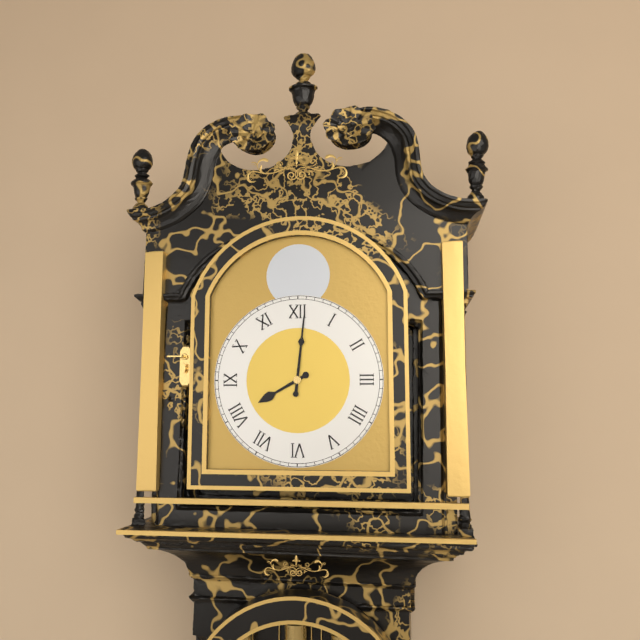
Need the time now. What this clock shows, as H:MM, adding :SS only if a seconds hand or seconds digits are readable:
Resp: 8:01
